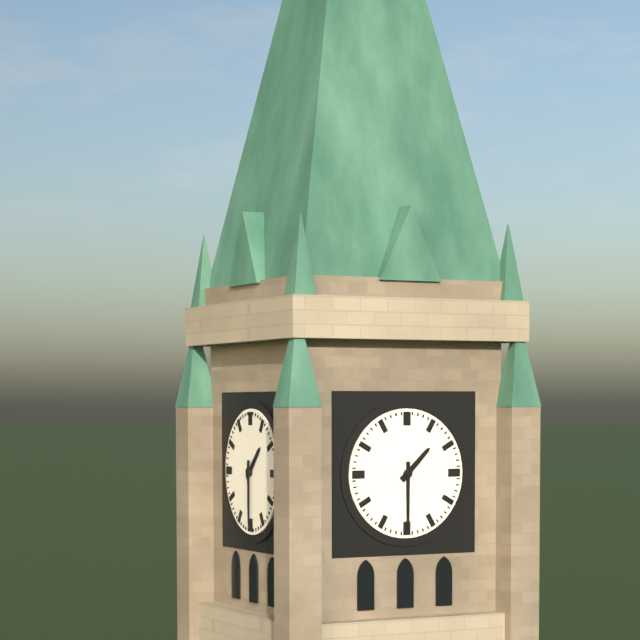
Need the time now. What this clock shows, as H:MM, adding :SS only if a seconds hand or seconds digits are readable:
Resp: 1:30
